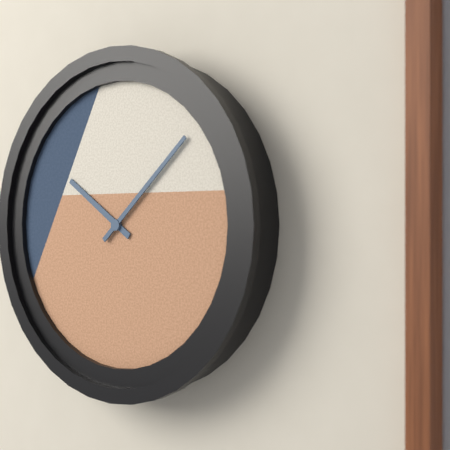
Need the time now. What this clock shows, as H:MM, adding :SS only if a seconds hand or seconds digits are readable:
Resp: 10:08
